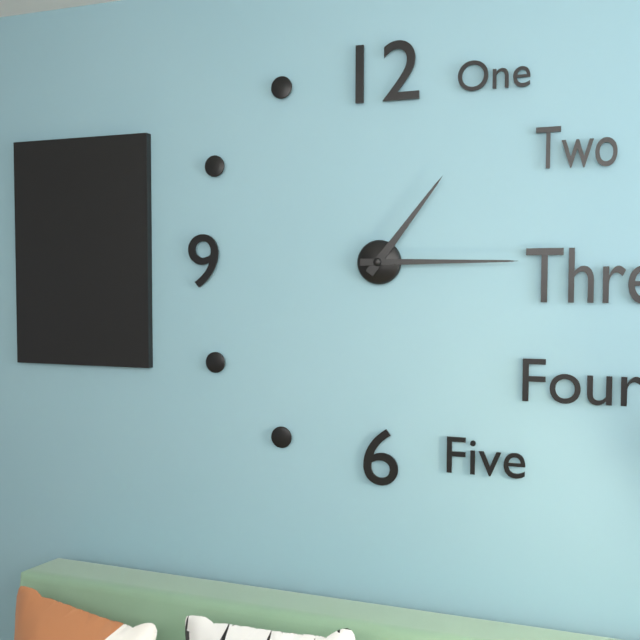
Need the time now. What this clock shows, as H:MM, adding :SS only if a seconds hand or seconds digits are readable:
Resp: 1:15
